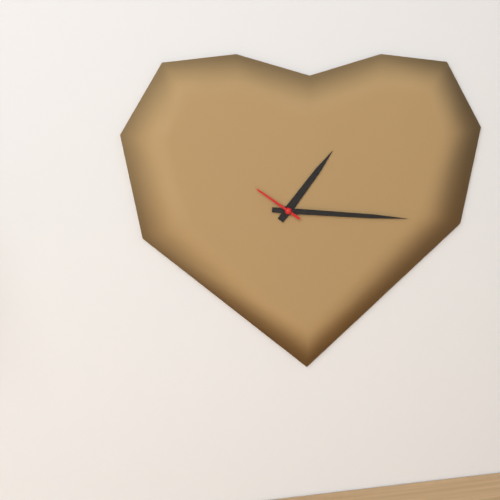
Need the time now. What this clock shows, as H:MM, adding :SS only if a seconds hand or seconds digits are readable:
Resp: 1:16
